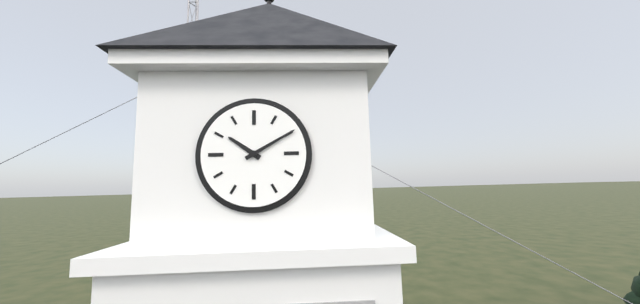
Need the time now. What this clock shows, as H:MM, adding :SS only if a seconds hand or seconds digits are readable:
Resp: 10:10
